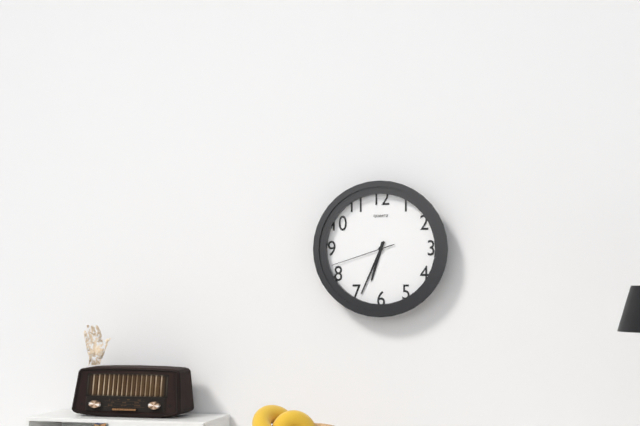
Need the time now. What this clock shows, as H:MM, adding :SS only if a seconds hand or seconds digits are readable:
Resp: 6:34:42
